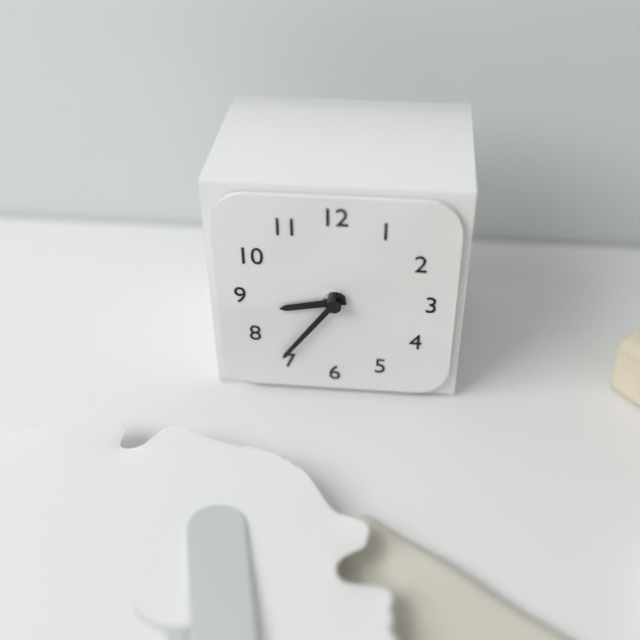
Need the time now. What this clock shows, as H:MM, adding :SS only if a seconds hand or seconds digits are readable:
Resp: 8:36
